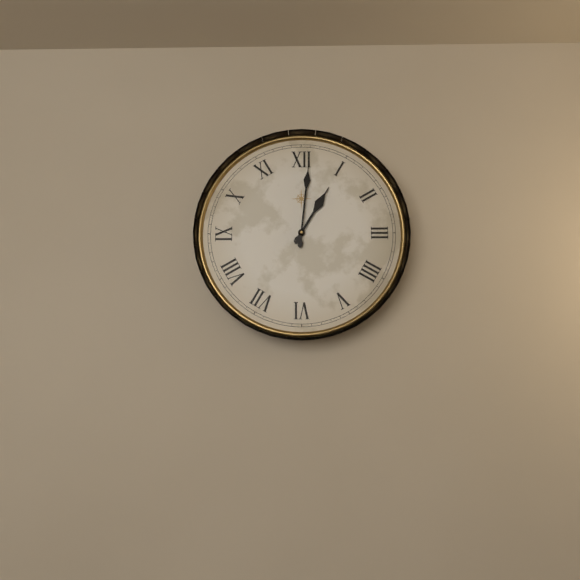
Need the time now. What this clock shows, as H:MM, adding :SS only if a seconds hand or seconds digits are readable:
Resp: 1:01
